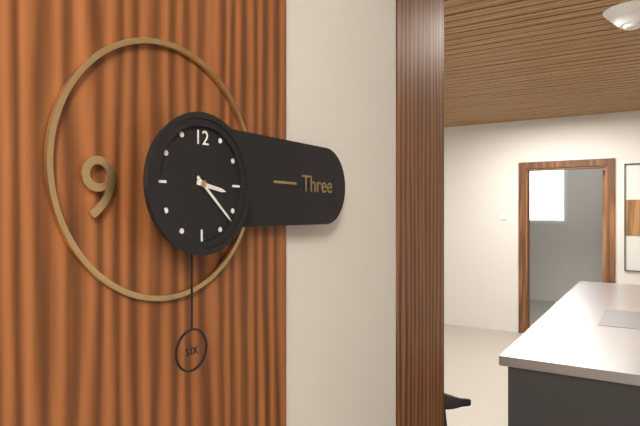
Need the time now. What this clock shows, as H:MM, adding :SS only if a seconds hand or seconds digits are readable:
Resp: 3:22
